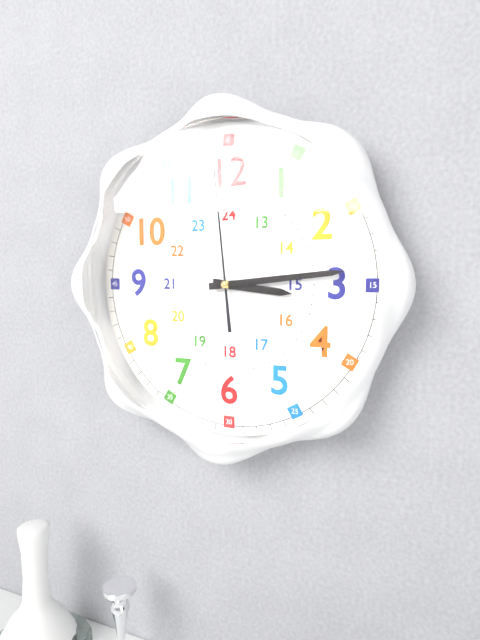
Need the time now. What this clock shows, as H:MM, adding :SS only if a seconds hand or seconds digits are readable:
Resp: 3:14:59
